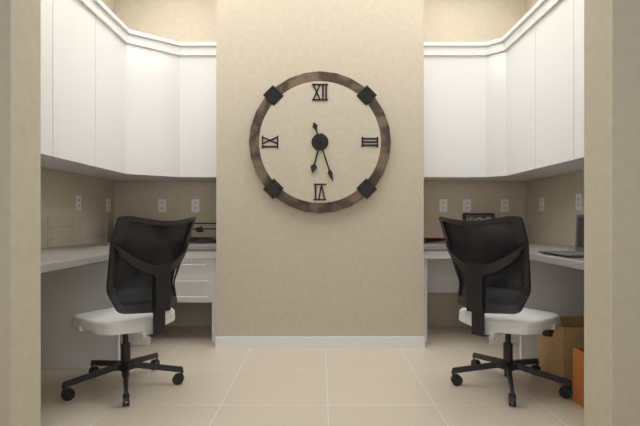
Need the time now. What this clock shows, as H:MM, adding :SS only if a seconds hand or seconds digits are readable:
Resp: 6:27
